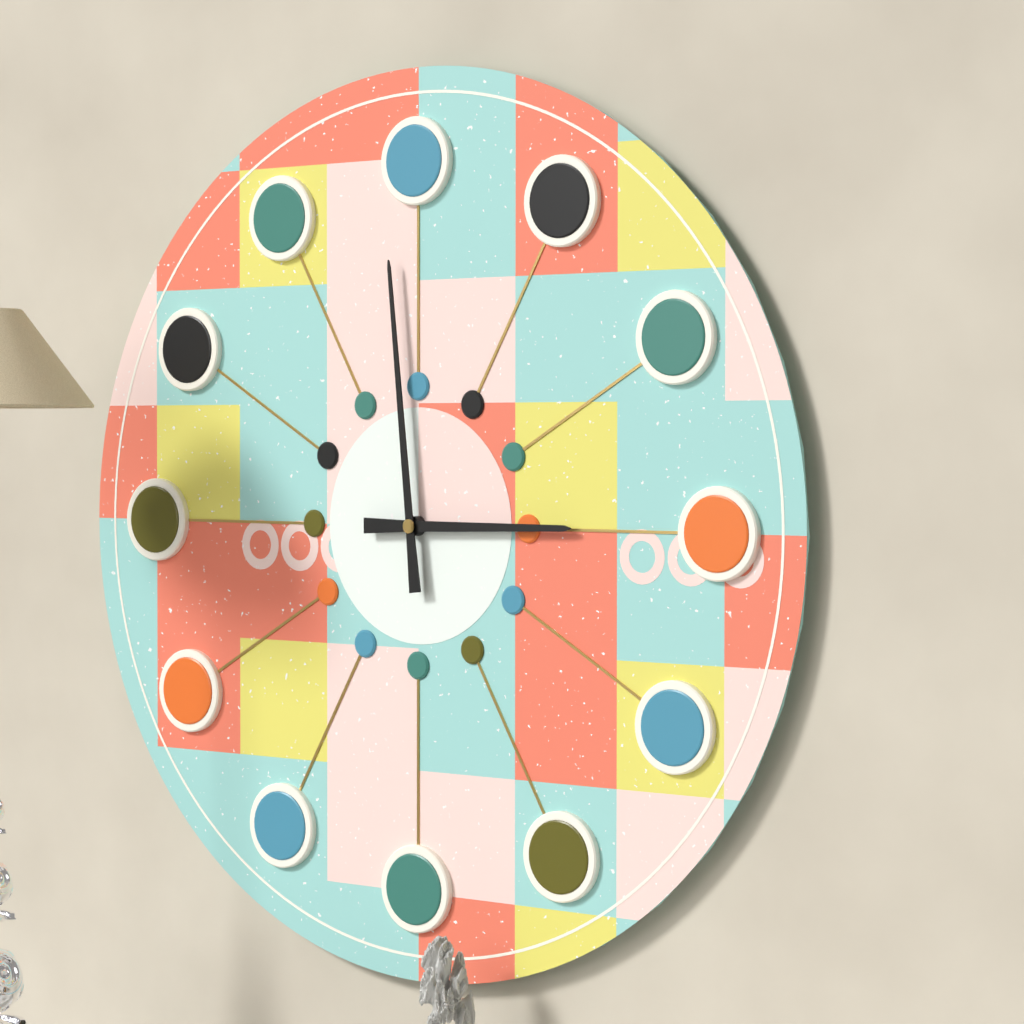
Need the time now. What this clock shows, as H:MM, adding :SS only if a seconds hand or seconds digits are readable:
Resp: 2:59
